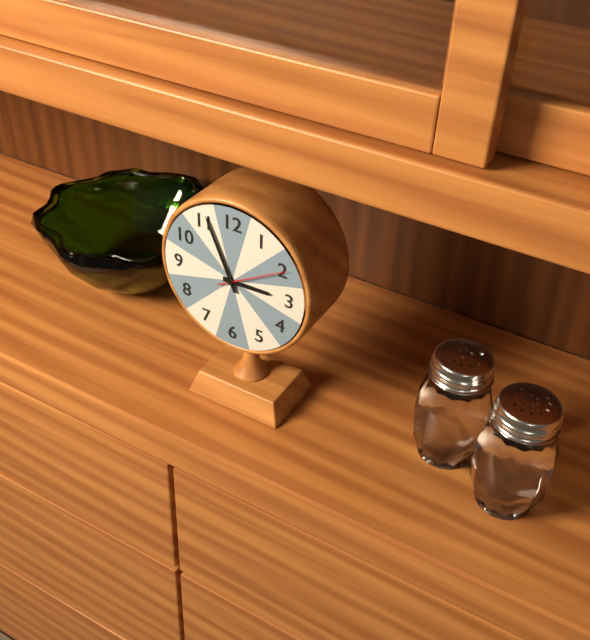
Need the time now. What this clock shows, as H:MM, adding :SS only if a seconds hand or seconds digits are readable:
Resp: 2:56:10
